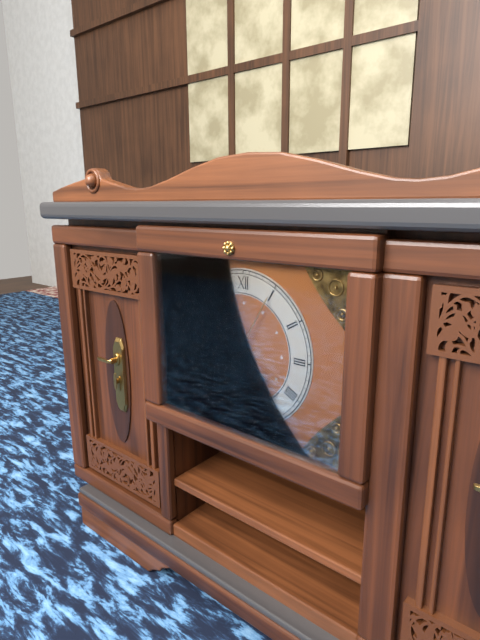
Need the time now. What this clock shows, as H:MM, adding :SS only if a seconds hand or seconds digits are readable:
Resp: 6:23:05
